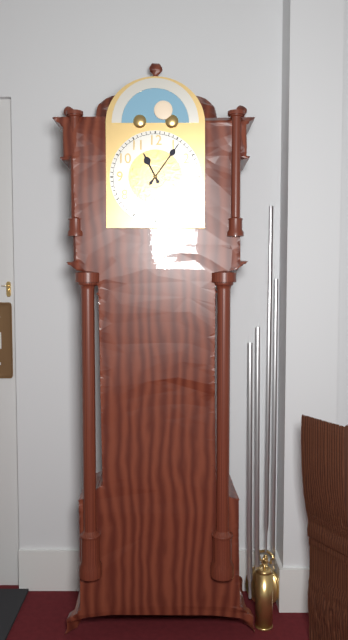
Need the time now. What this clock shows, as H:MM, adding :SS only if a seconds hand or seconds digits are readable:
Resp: 11:06
